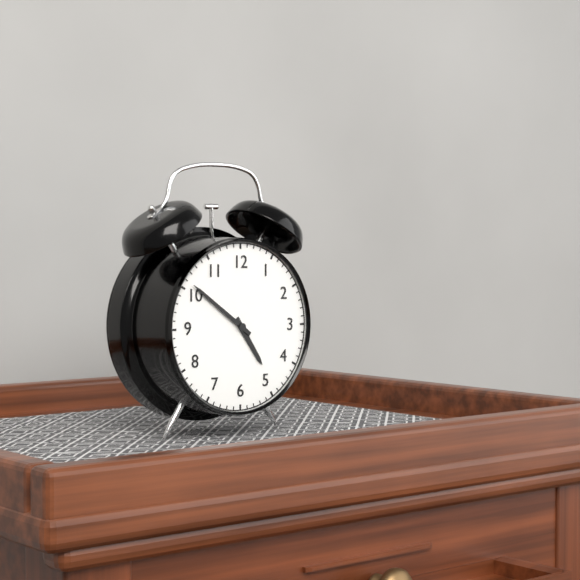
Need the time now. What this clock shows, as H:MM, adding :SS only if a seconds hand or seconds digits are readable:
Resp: 4:51
